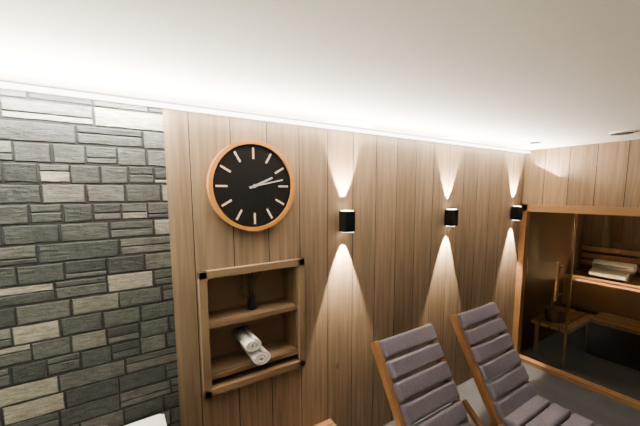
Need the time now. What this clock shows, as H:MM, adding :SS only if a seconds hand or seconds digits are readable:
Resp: 2:13
